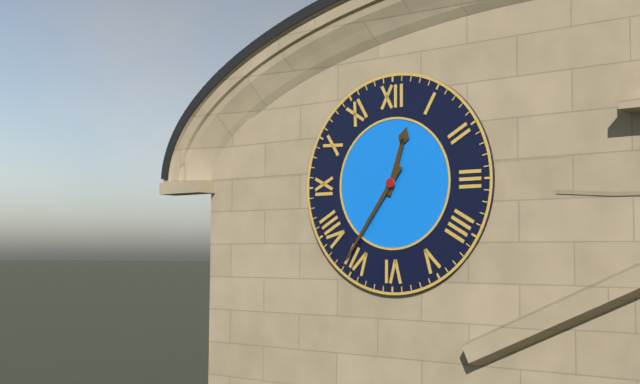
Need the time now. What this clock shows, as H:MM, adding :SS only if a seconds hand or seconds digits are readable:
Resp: 12:36
